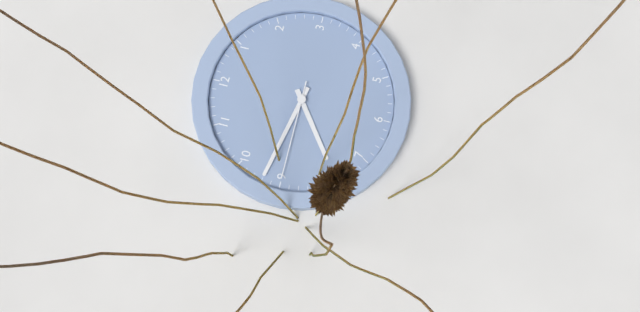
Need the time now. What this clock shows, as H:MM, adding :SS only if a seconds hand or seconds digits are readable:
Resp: 7:47:45
